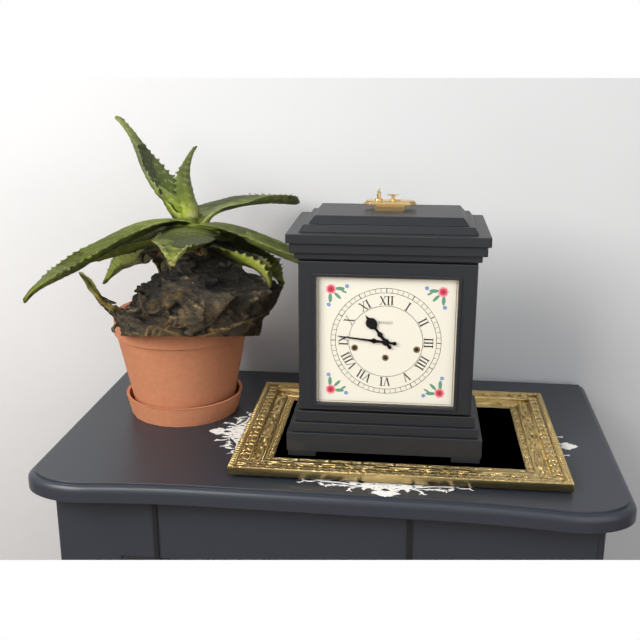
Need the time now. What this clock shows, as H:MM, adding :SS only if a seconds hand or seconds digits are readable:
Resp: 10:46
